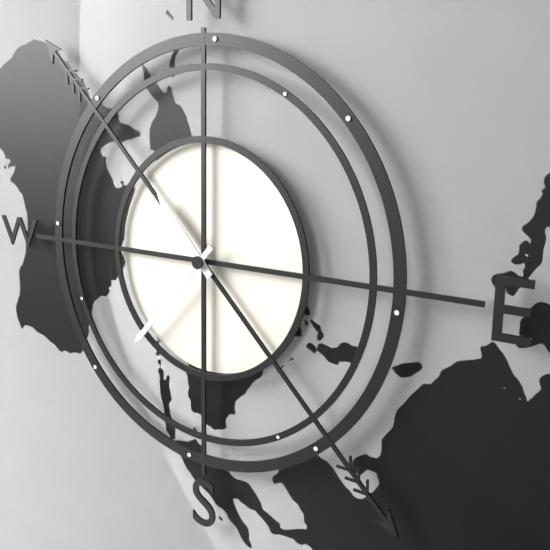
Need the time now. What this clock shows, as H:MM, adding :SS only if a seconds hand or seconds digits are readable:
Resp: 10:37
